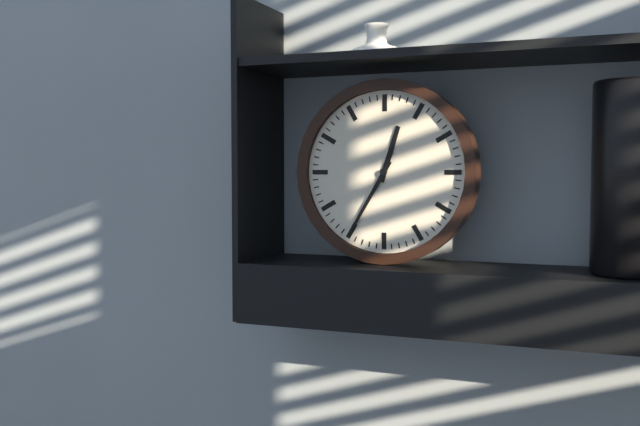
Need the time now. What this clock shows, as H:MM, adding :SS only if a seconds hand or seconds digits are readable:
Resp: 12:35
